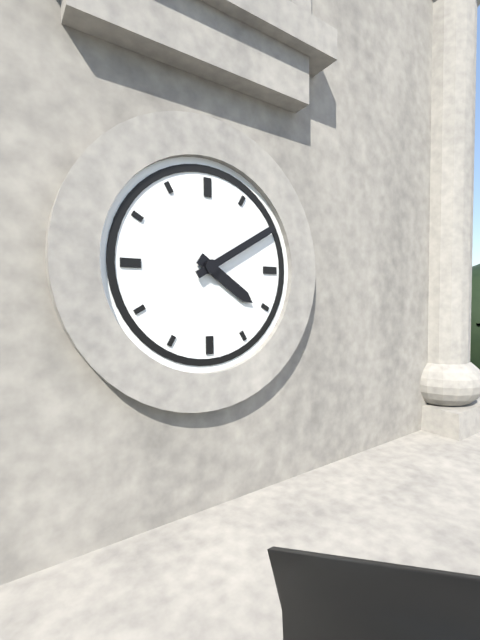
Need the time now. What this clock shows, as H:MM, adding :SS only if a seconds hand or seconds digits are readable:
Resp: 4:10
